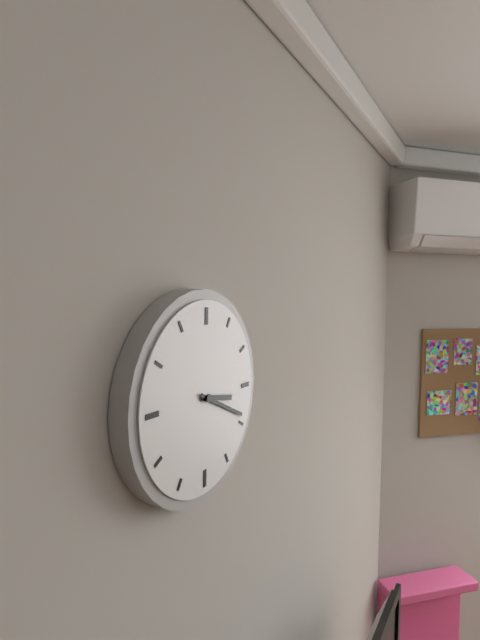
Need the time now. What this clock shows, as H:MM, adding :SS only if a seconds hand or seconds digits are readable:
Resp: 3:19
